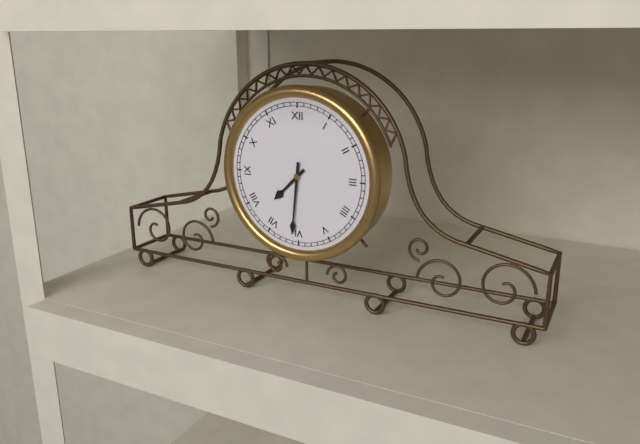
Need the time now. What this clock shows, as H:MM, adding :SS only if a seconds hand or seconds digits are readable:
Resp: 7:31
